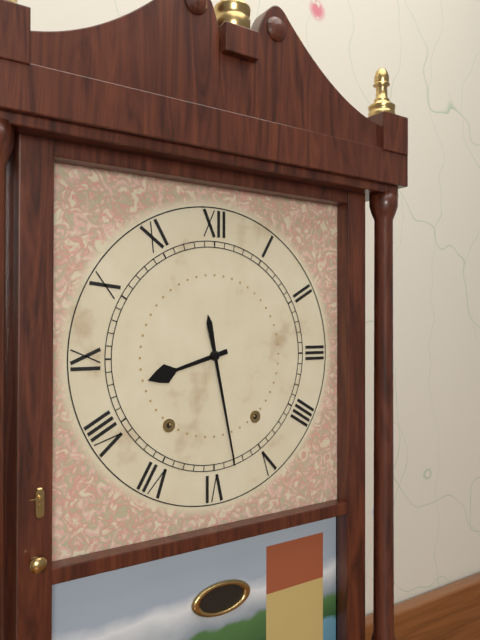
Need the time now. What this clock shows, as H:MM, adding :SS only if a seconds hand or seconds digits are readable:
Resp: 8:28
